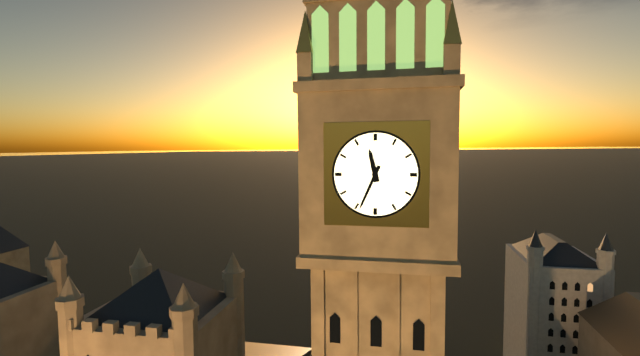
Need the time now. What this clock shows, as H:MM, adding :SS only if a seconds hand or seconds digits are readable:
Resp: 11:34
